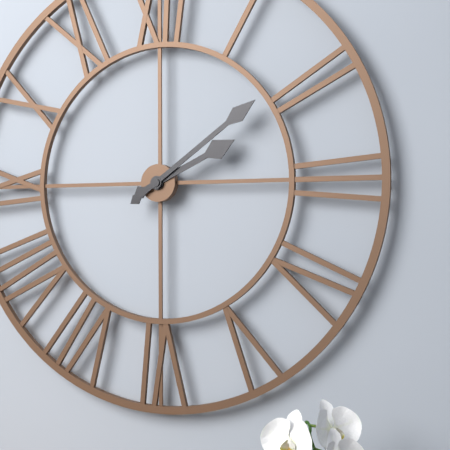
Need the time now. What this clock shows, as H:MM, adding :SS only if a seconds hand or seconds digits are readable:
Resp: 2:09
